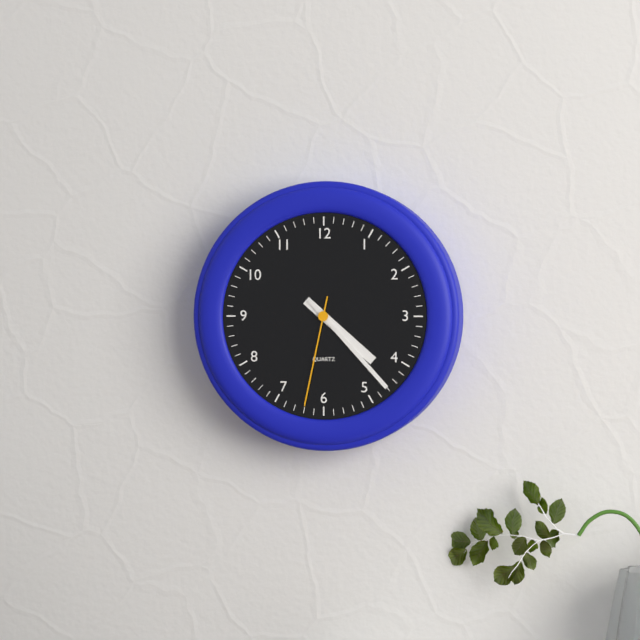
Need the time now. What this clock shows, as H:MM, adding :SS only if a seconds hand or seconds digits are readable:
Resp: 4:23:32
